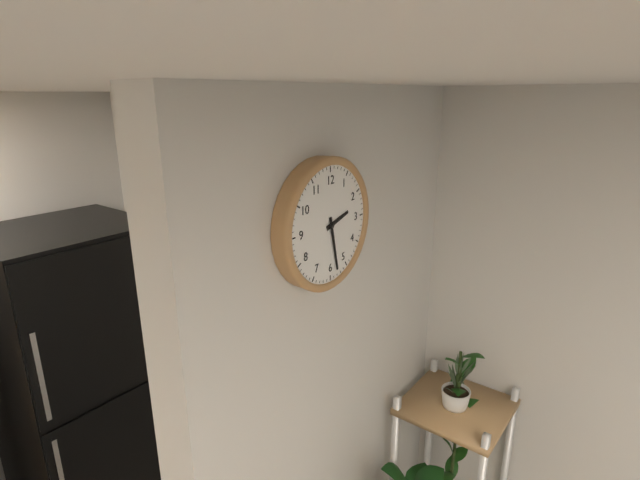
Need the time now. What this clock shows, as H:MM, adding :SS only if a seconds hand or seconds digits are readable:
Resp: 2:28
